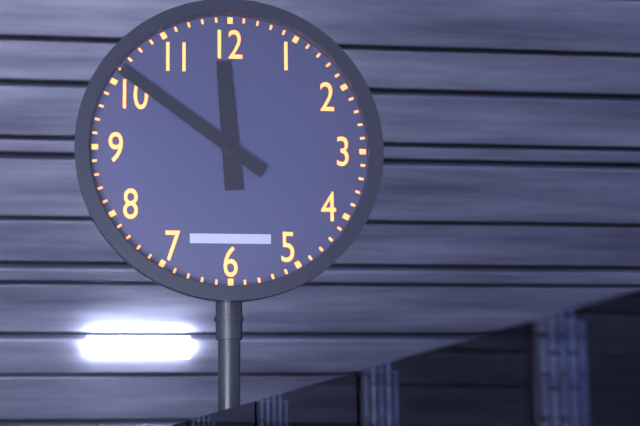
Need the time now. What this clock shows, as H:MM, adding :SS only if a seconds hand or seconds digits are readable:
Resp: 11:51
